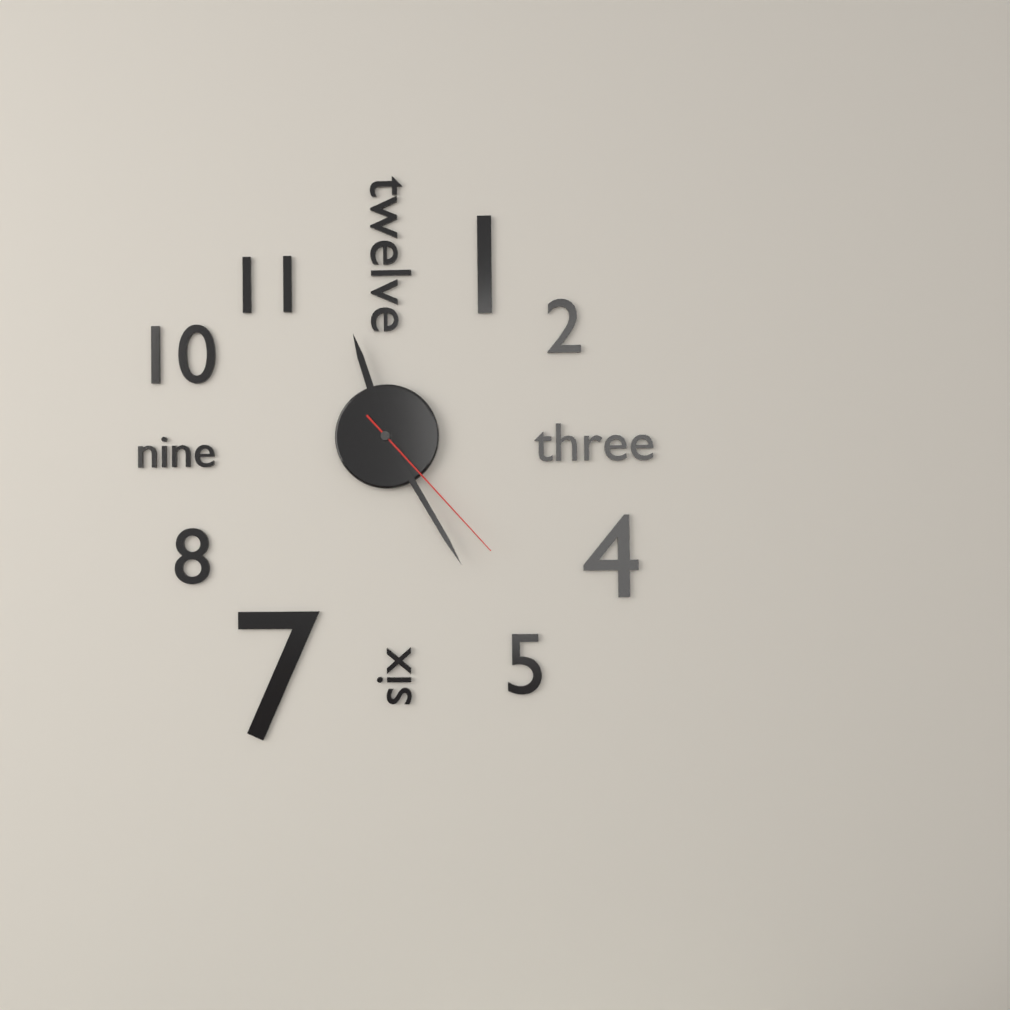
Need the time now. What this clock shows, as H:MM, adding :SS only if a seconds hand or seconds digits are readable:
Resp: 11:25:23
